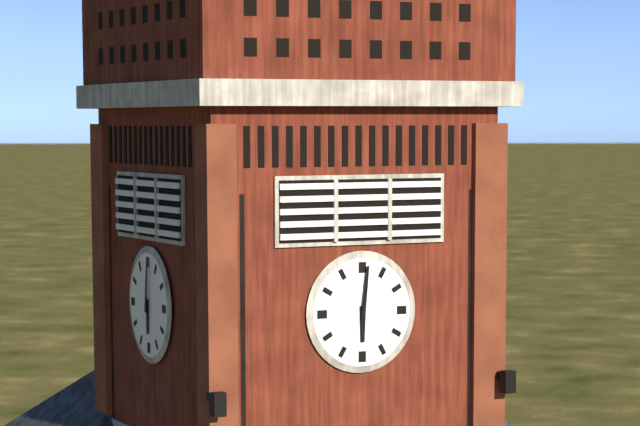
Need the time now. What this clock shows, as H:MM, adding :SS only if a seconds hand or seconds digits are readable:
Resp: 6:01
